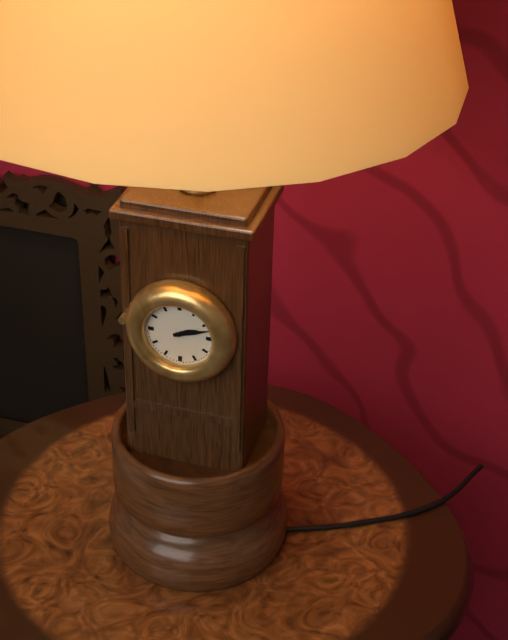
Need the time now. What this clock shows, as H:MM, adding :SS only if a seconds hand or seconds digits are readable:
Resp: 2:12
